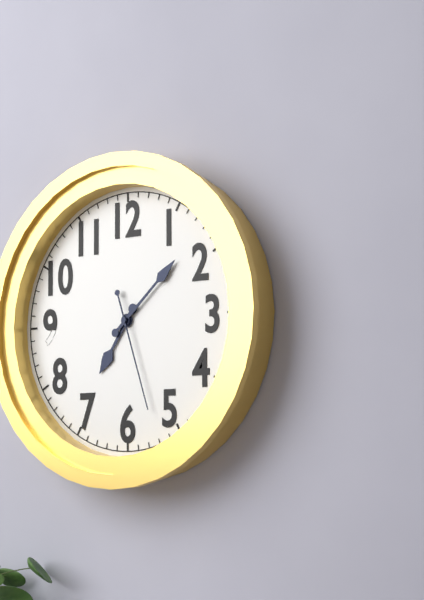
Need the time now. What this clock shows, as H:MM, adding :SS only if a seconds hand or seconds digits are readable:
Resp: 7:08:27
